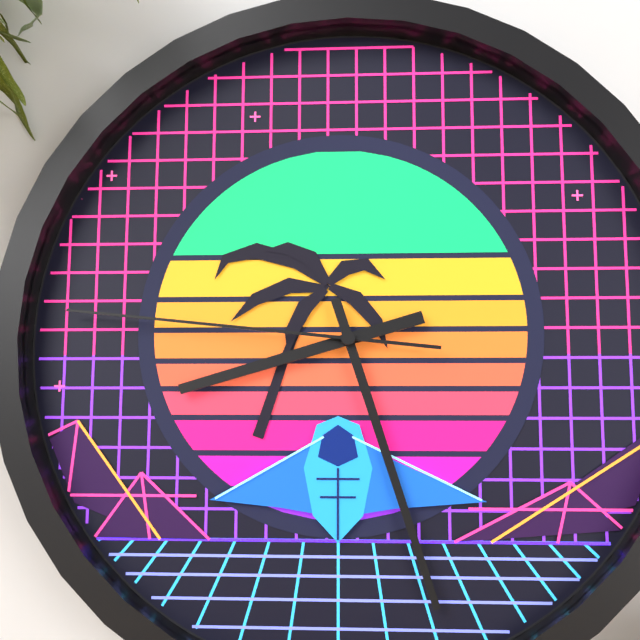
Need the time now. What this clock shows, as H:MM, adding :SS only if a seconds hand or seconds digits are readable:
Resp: 8:27:46
